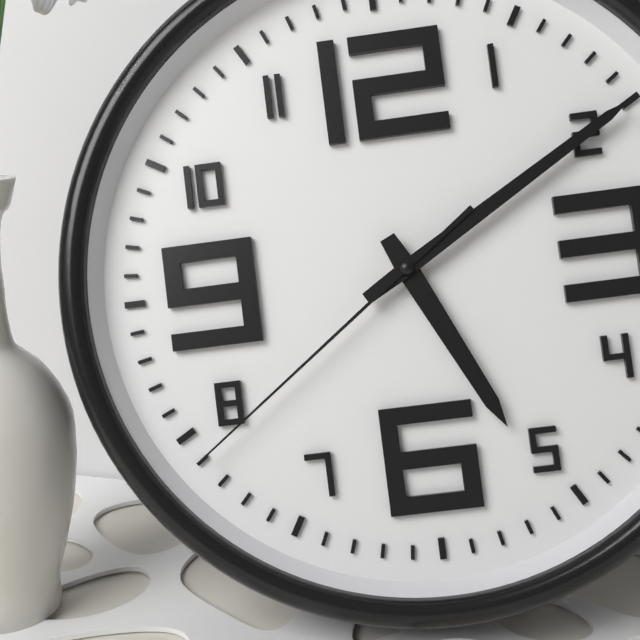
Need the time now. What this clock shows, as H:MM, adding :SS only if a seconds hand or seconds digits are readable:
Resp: 5:10:39
